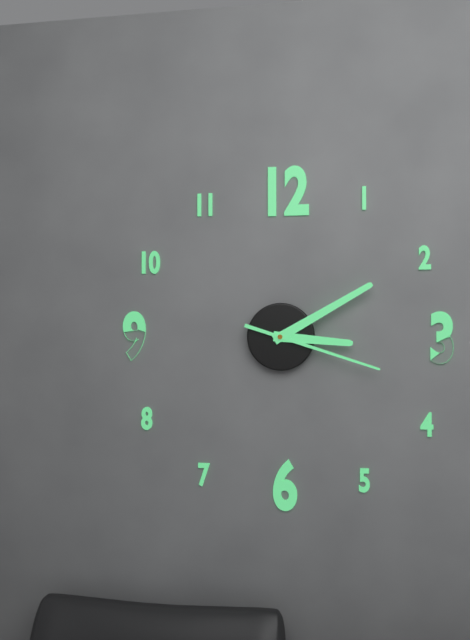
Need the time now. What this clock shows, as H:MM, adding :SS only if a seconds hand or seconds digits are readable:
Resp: 3:10:18
